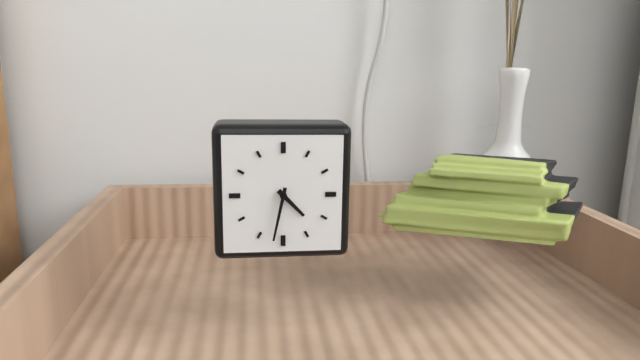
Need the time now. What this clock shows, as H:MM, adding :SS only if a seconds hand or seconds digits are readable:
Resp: 4:32
